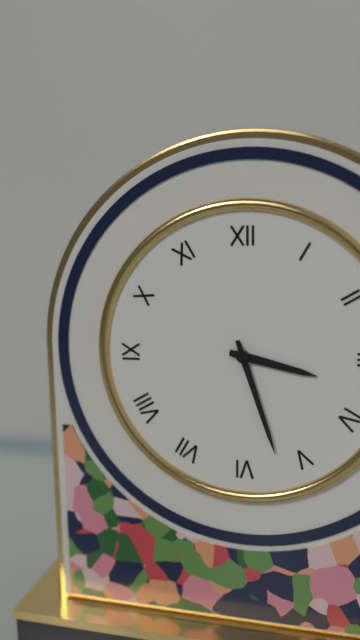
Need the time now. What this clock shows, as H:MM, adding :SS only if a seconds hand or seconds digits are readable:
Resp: 3:27
